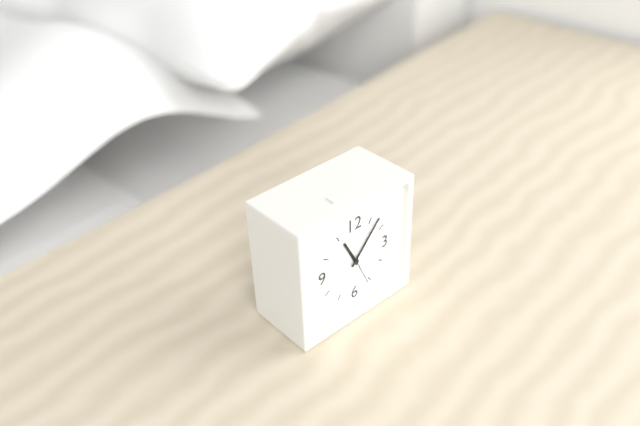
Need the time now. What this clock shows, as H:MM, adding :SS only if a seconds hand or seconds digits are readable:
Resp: 11:07
